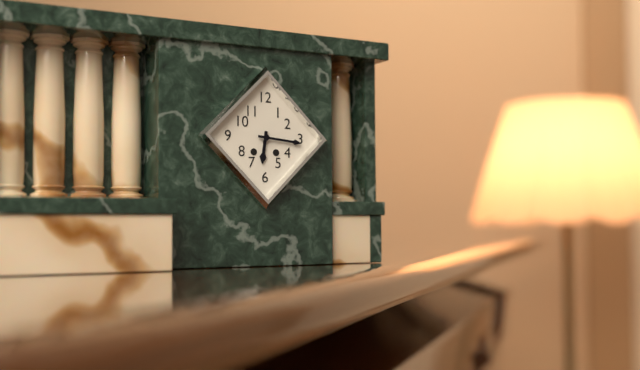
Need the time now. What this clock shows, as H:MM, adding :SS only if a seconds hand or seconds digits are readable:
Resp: 6:16
